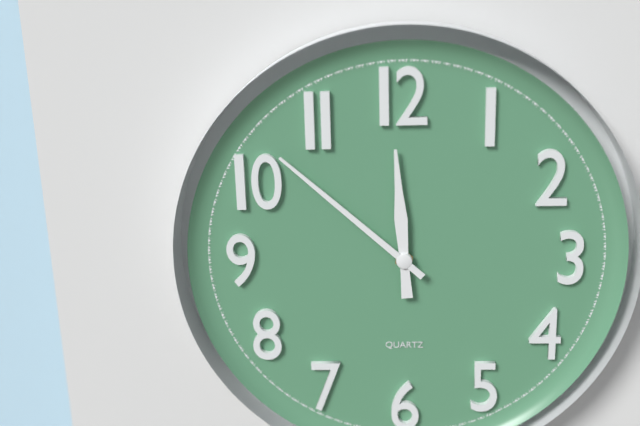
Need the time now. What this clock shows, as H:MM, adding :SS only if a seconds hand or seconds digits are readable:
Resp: 11:52
